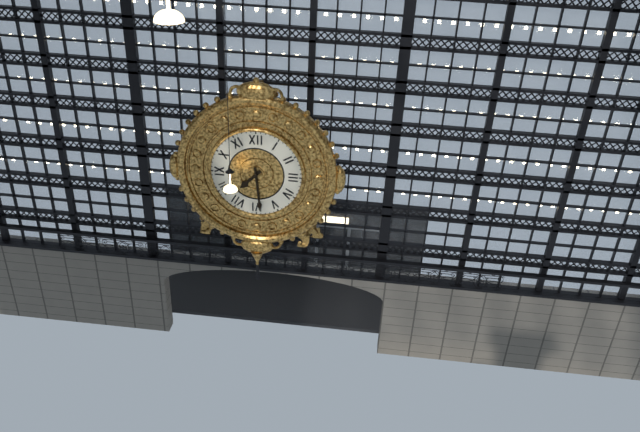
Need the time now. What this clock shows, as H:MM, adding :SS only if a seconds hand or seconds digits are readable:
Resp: 7:29
